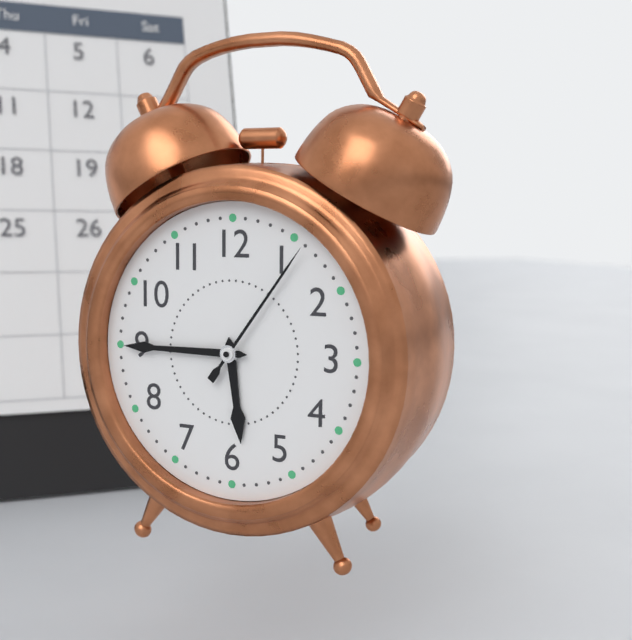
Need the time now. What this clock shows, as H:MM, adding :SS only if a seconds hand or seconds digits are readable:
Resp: 5:45:06
